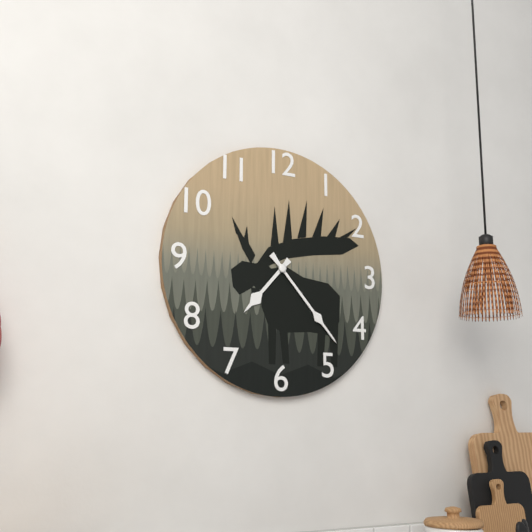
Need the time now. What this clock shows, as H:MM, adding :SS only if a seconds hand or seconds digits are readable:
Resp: 7:23
